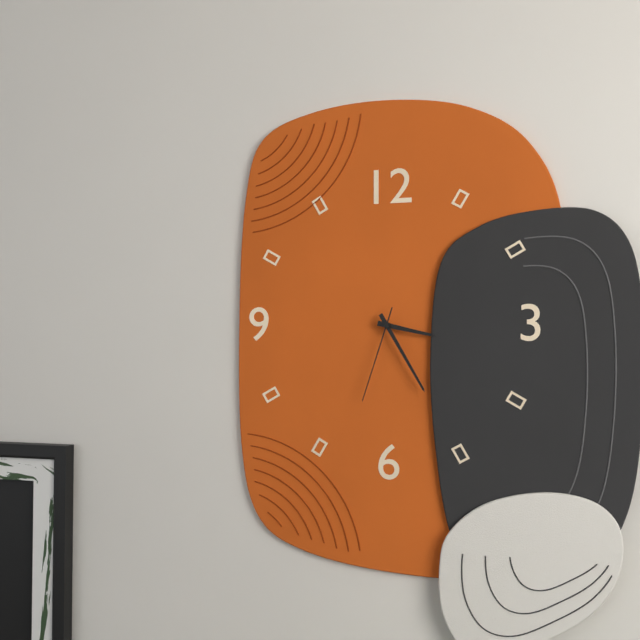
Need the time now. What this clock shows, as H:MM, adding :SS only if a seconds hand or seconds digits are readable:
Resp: 3:25:33
